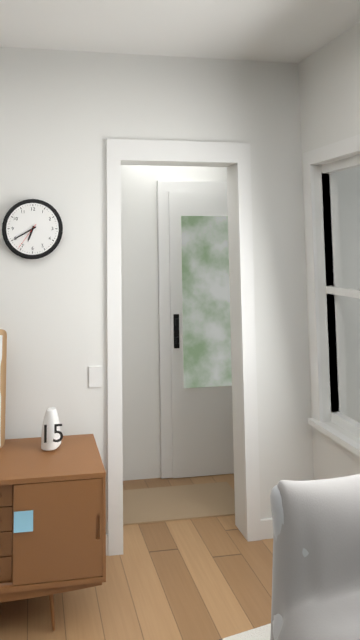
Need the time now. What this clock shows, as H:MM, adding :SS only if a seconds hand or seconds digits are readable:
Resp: 6:40
